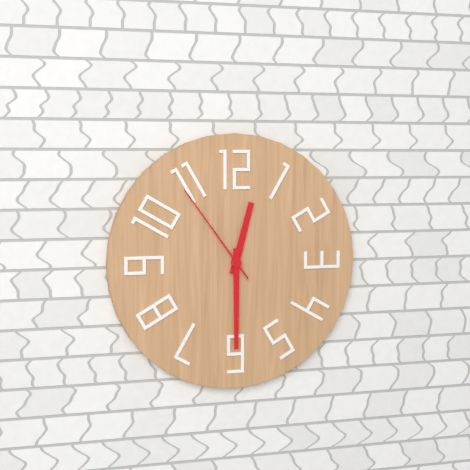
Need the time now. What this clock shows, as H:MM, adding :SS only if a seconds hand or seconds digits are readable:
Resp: 12:30:54
